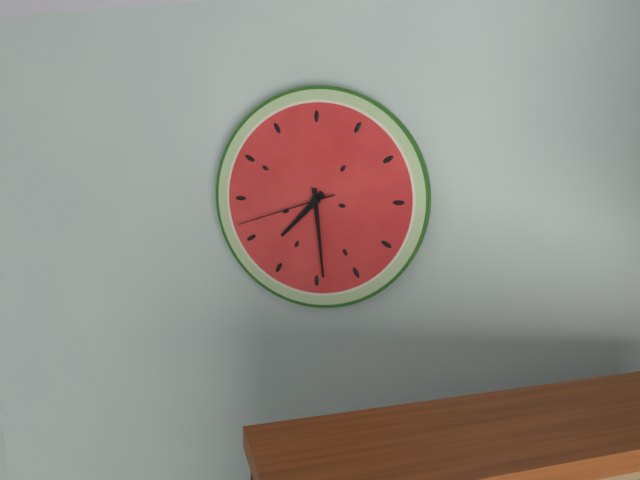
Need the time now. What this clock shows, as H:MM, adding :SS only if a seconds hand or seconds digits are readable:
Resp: 7:29:42
